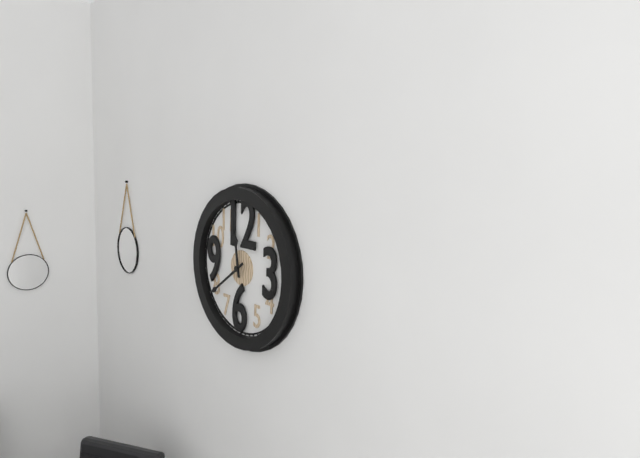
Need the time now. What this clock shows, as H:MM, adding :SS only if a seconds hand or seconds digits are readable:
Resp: 11:39
